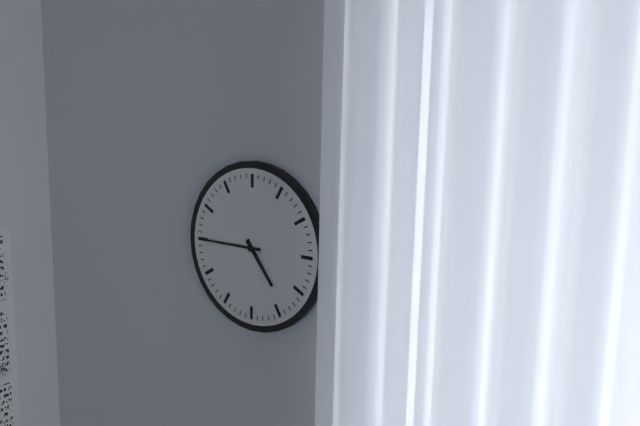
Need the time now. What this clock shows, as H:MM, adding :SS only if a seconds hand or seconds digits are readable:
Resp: 4:45
